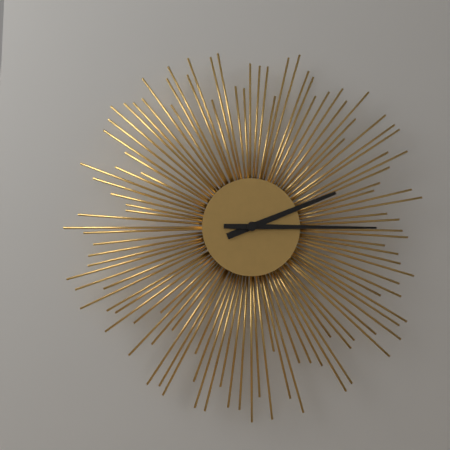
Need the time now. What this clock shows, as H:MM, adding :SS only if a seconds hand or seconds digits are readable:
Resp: 2:15
